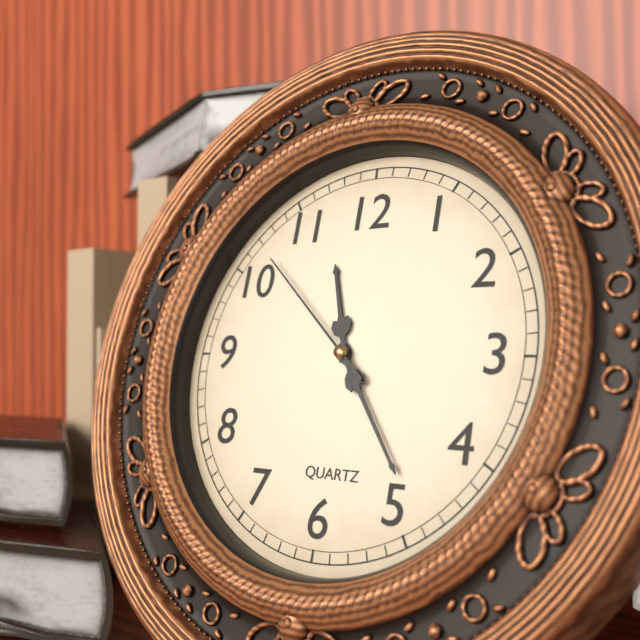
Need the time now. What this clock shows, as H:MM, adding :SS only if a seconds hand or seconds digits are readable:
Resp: 11:24:52
